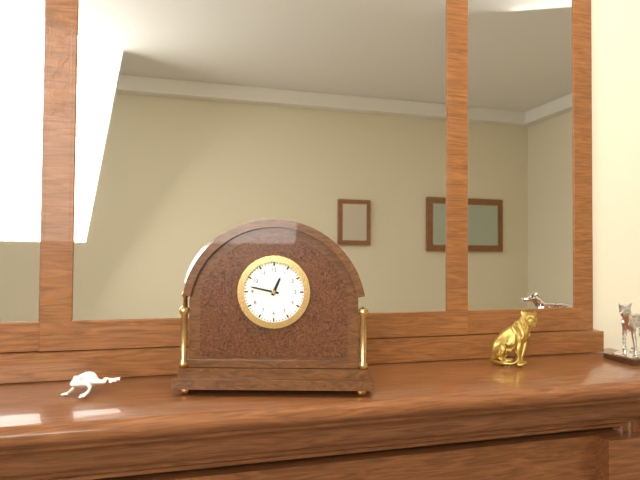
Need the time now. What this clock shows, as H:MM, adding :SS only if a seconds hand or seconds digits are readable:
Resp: 12:47
